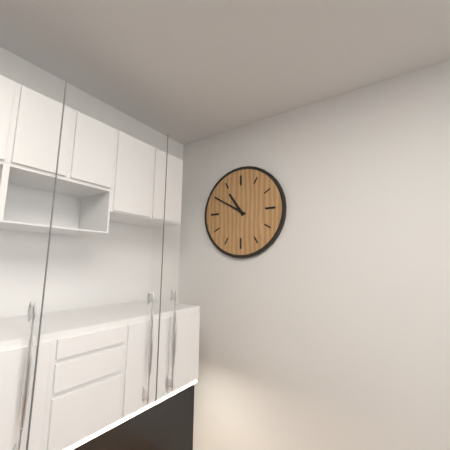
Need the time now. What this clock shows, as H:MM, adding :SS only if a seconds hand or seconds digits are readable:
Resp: 10:50
